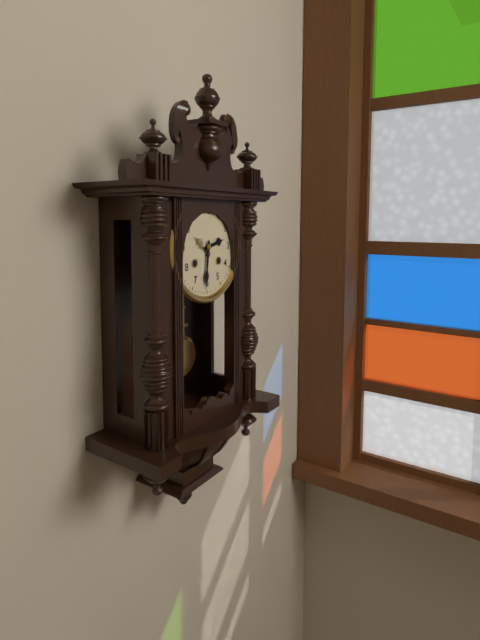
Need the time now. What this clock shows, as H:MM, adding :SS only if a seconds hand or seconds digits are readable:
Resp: 2:31
